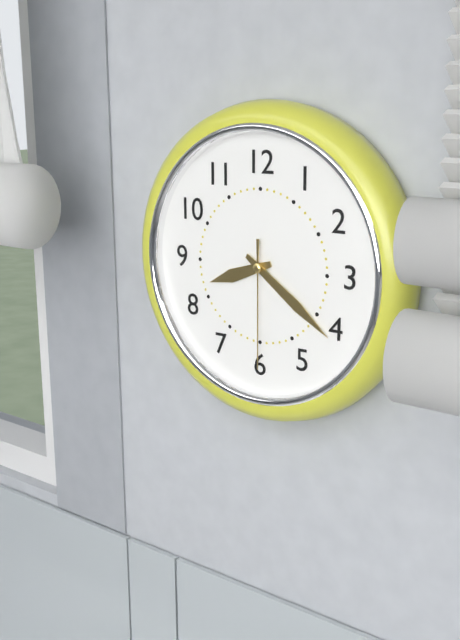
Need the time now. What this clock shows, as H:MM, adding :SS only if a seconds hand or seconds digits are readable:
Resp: 8:21:30
